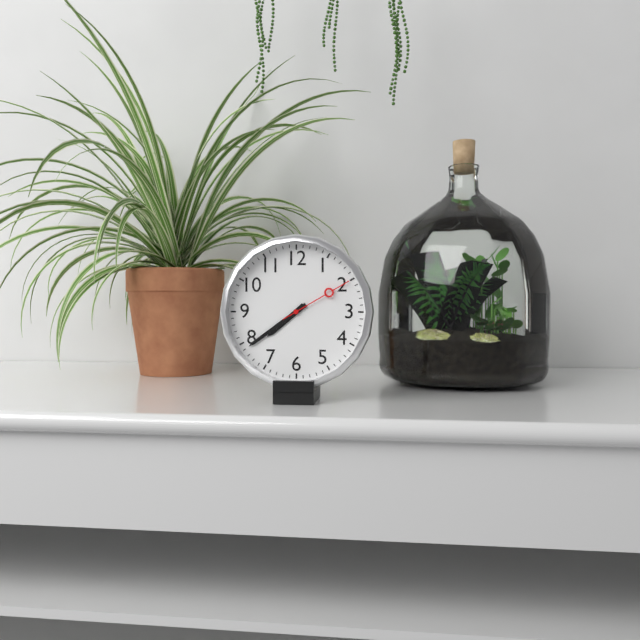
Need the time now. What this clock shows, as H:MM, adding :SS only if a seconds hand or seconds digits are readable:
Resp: 7:39:10
